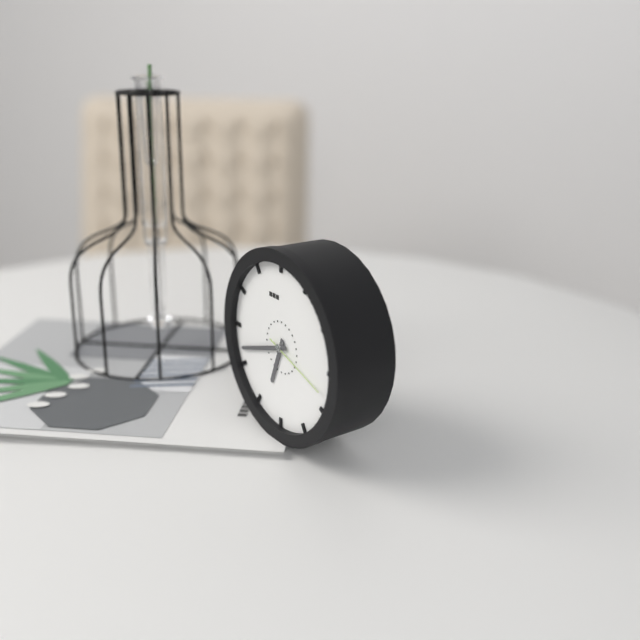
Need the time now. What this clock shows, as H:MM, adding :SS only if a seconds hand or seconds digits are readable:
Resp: 6:42:18
